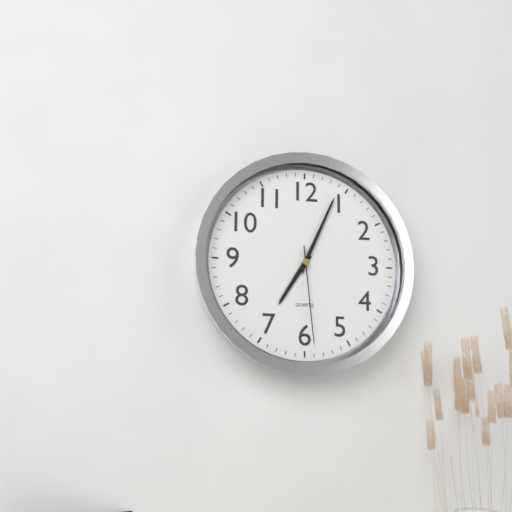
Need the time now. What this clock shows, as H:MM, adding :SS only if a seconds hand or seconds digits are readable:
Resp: 7:04:29
